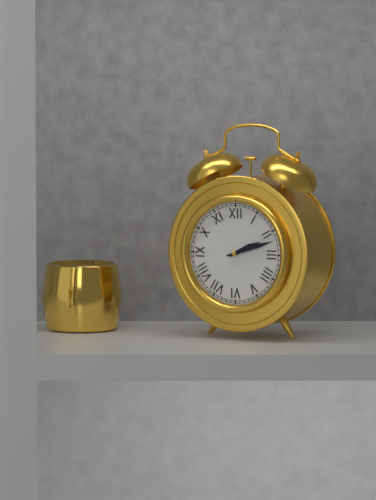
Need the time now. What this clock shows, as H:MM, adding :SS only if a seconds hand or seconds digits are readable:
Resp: 2:12
